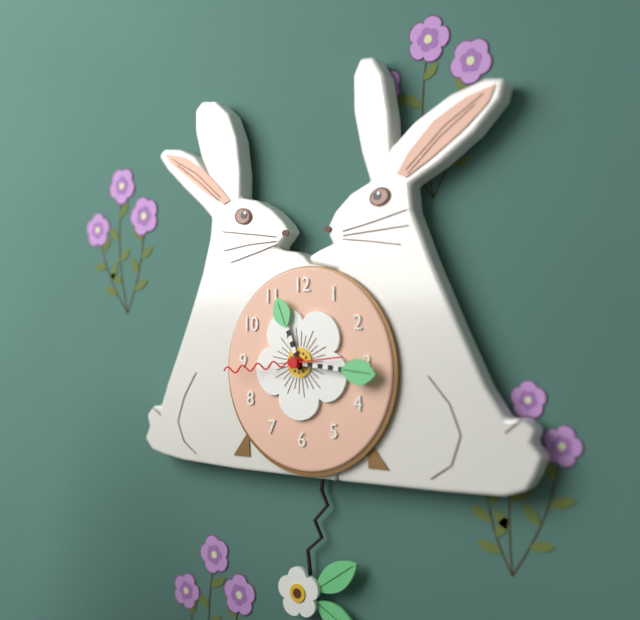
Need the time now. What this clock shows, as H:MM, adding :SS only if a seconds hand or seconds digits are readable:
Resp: 11:16:44
